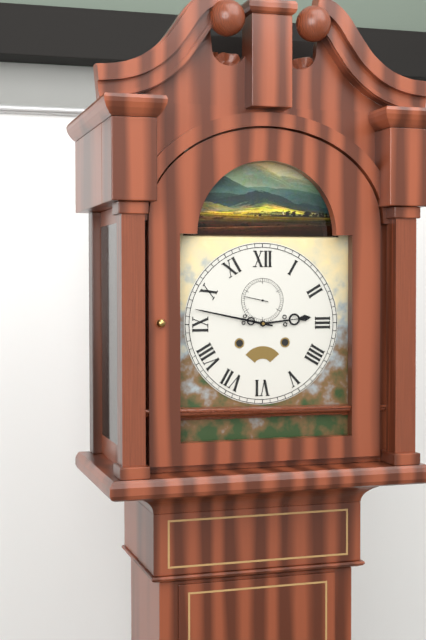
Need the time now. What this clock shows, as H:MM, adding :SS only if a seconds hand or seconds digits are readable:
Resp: 2:47
